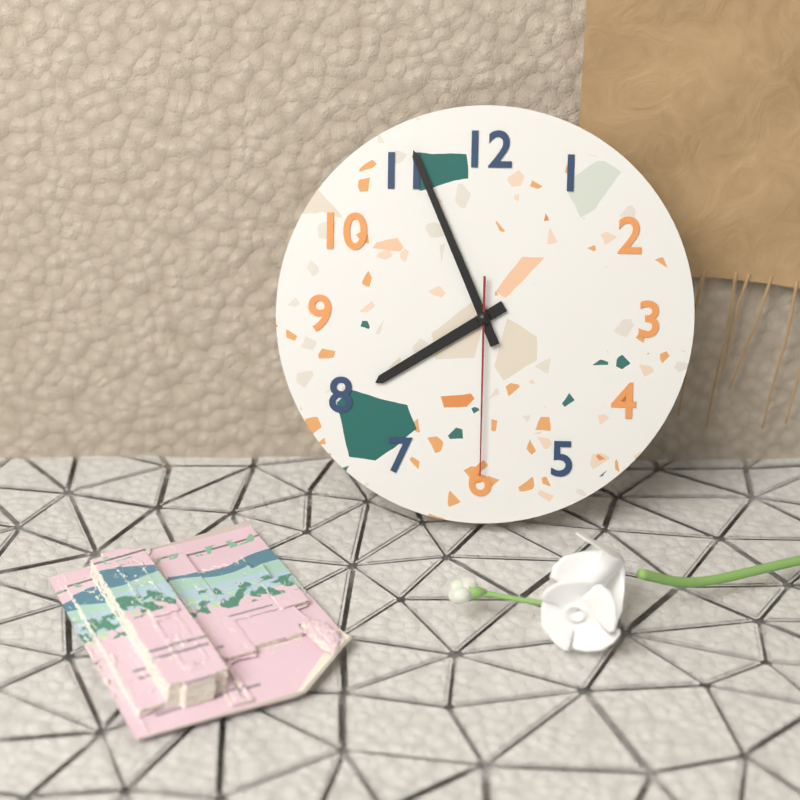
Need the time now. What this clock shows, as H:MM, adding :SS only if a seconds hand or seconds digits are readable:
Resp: 7:56:30
